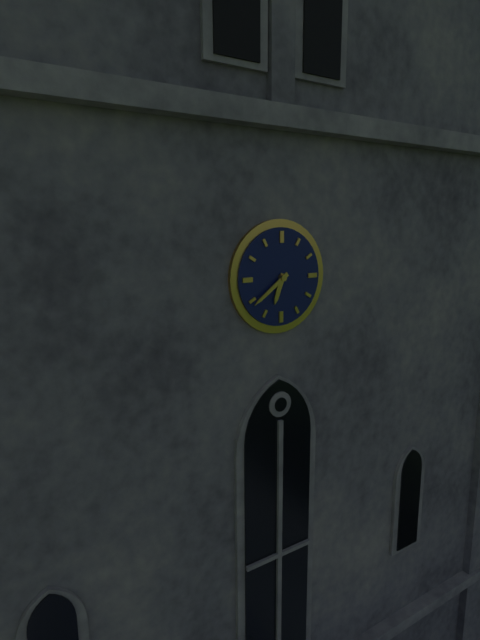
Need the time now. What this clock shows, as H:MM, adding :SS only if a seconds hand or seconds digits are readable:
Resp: 6:39
